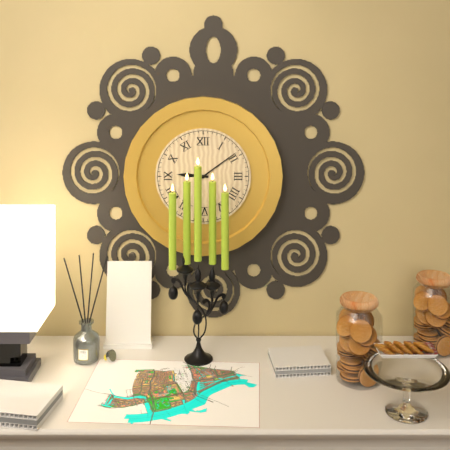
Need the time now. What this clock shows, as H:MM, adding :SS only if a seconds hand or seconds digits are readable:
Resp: 9:09
